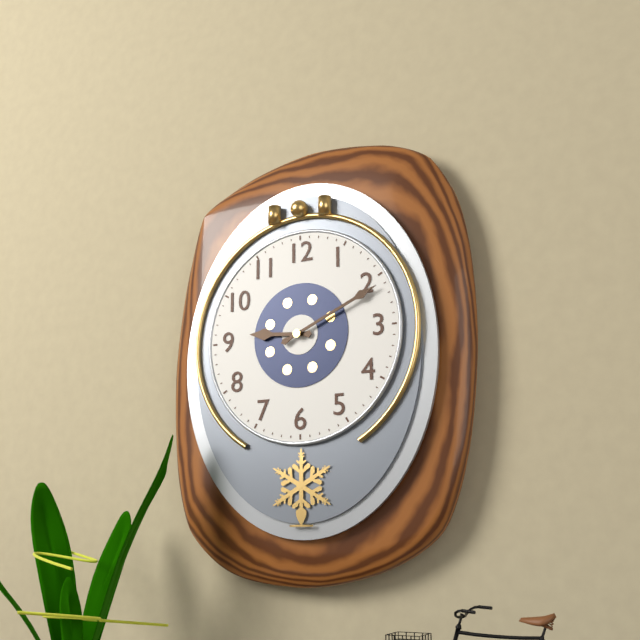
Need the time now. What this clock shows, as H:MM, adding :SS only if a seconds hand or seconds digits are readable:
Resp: 9:11
